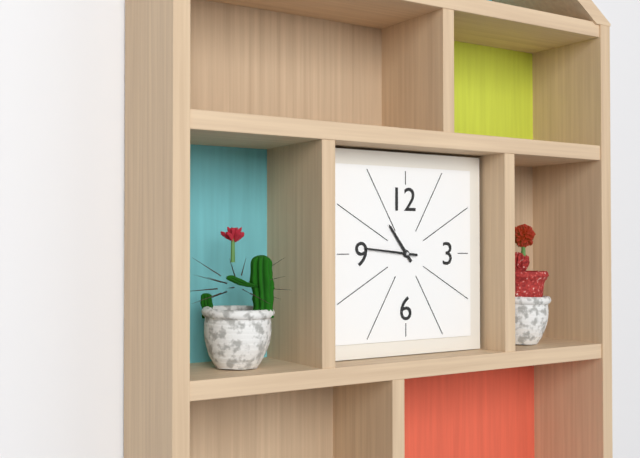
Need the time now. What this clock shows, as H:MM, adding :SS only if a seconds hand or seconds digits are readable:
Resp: 10:46
